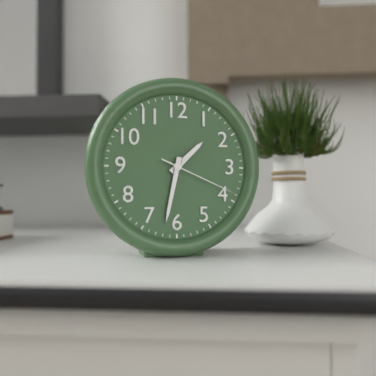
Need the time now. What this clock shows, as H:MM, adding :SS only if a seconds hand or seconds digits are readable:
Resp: 1:32:19
